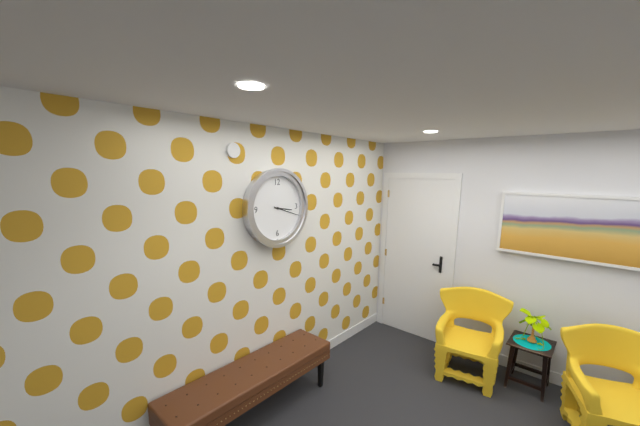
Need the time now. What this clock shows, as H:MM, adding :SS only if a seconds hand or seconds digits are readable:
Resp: 3:18
